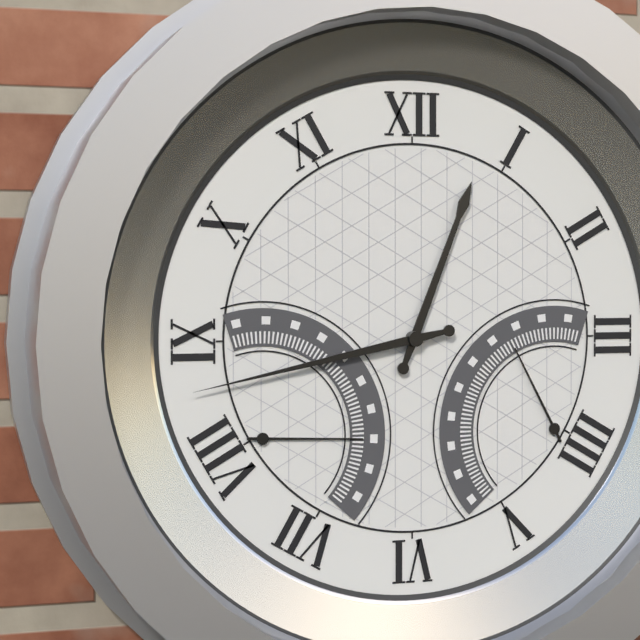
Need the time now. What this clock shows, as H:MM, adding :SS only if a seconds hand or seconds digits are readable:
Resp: 12:43
